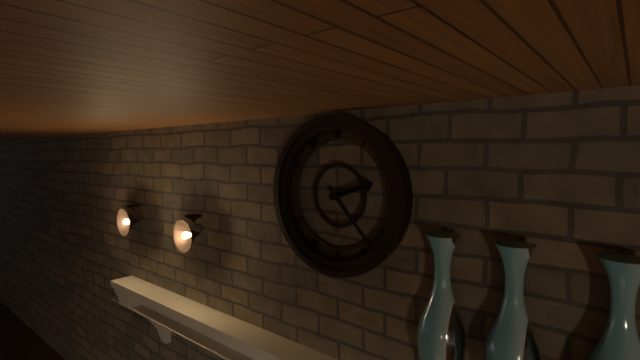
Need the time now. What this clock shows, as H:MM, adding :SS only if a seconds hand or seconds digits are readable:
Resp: 2:23
